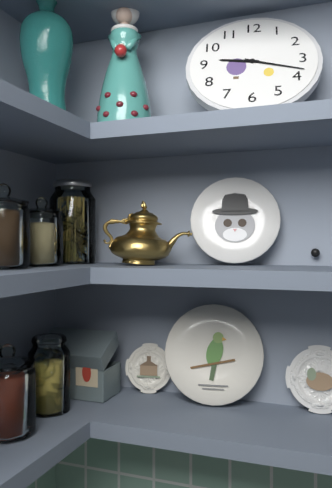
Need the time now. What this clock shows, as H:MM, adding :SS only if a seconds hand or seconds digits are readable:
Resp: 9:18
